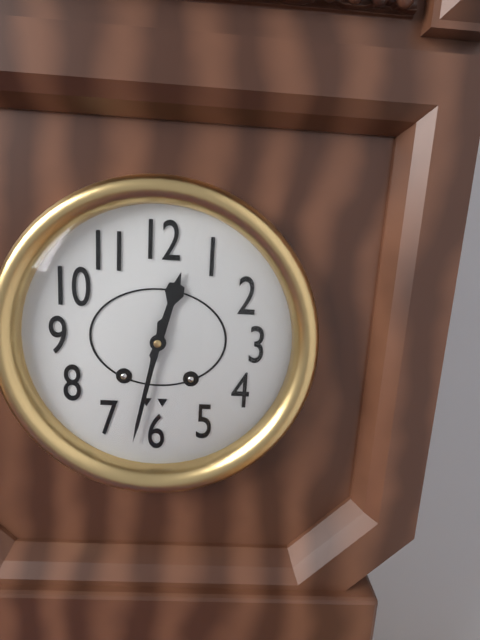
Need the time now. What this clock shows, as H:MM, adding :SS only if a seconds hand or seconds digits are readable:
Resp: 12:32
